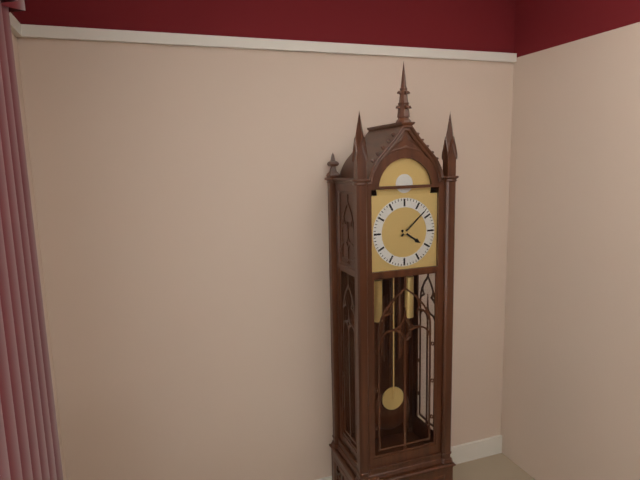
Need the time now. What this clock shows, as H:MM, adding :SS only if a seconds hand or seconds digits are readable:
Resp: 4:08
